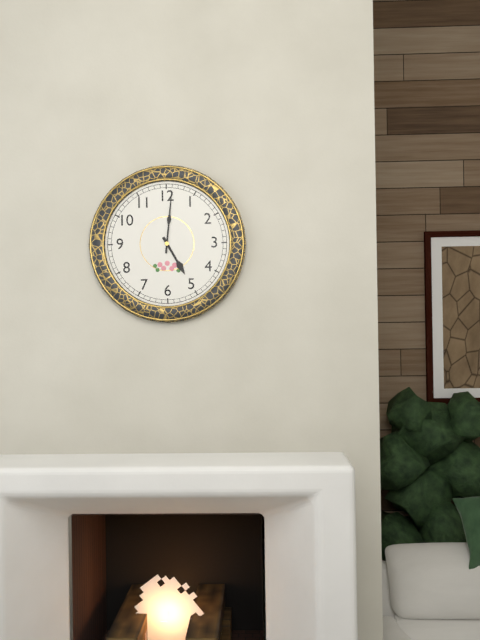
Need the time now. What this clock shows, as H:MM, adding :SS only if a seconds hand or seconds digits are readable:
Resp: 5:01
